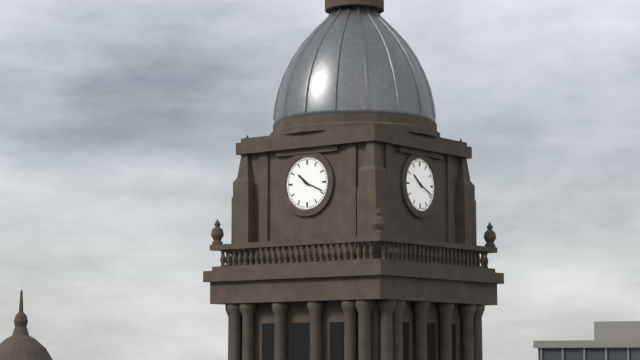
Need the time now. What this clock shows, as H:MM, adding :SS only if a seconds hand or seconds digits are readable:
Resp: 10:19
